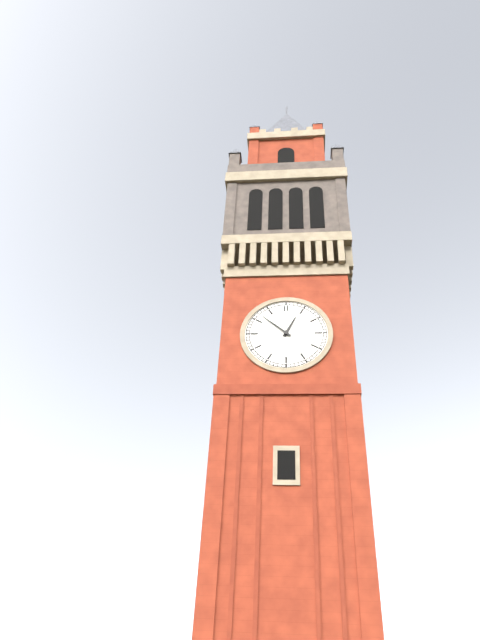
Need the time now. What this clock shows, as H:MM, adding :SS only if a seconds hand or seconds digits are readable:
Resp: 12:52
